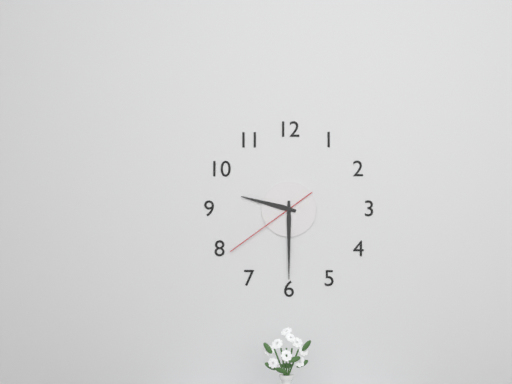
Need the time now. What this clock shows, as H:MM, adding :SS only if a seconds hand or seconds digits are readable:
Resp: 9:30:39
